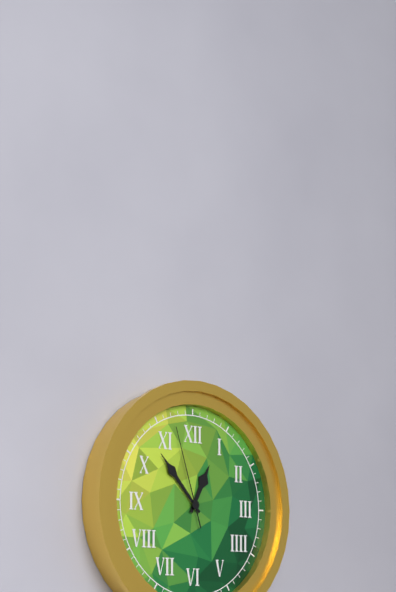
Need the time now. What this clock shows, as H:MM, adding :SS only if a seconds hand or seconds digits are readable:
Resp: 12:53:57
